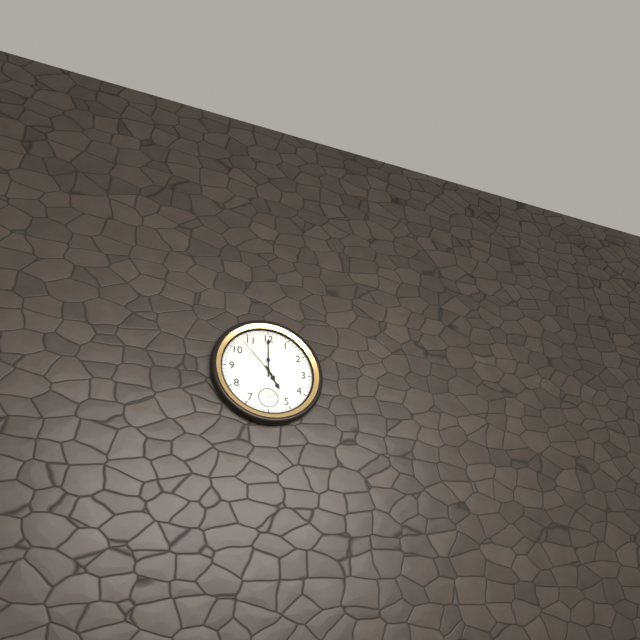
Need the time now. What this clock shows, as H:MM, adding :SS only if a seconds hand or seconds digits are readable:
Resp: 5:00:53
